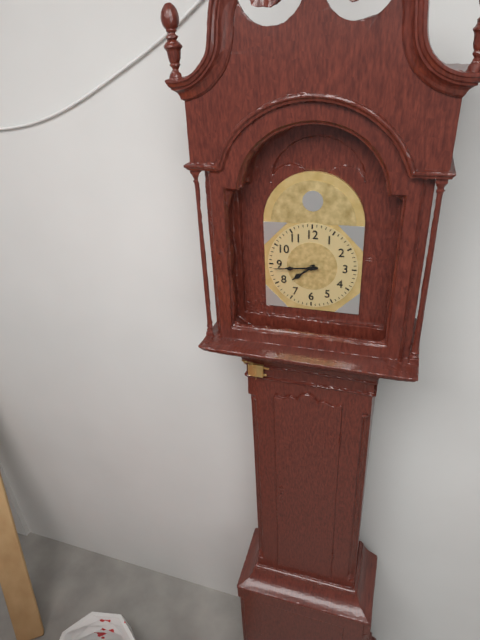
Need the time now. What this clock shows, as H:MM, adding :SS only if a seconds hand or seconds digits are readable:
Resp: 7:44
